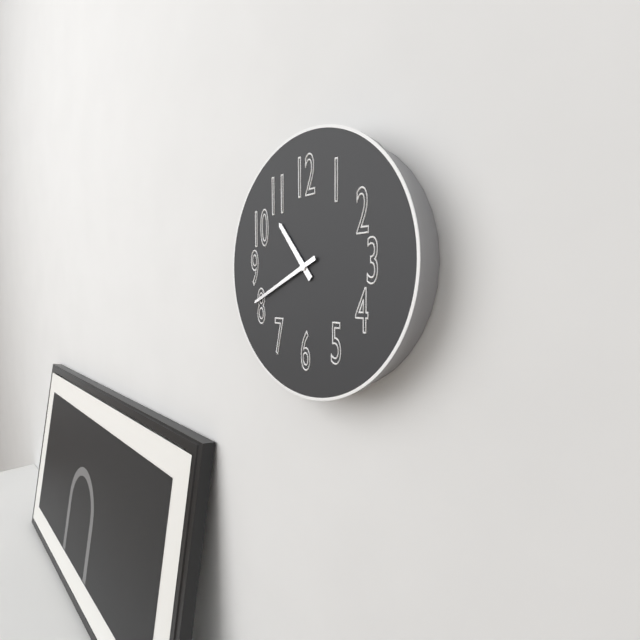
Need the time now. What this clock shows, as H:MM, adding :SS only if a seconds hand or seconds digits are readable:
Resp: 10:41
